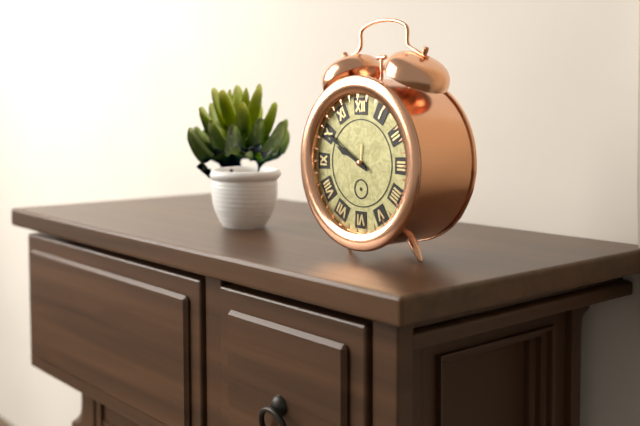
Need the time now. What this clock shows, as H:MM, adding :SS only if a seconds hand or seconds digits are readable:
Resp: 9:50
